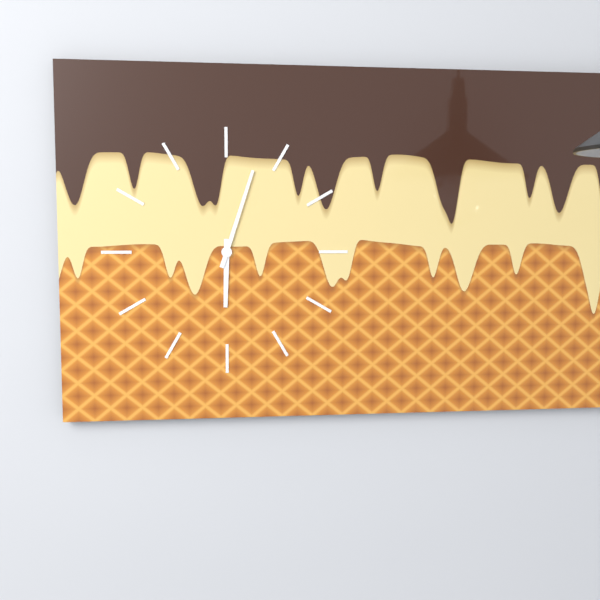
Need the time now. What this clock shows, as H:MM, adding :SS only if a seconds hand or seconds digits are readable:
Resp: 6:03
